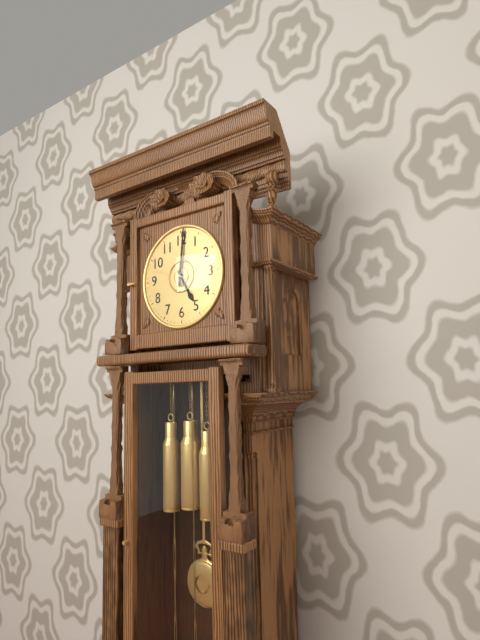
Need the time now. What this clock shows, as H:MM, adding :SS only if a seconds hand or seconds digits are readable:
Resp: 5:01
